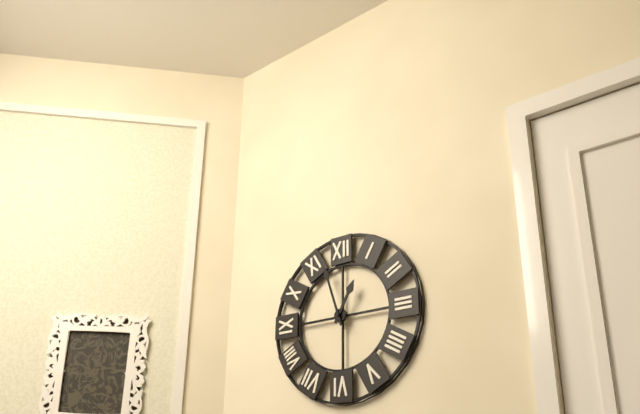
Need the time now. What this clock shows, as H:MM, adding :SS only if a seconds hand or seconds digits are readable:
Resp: 12:57
